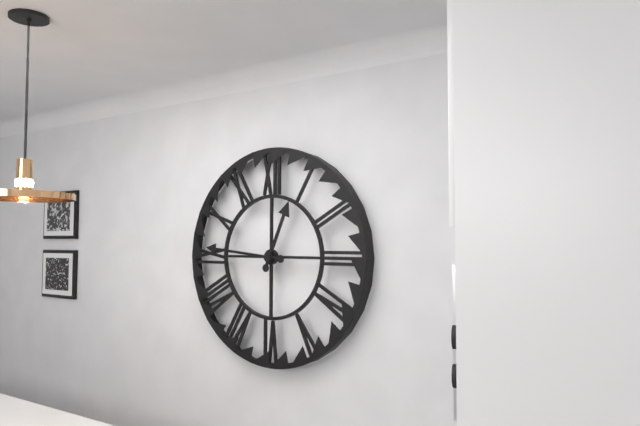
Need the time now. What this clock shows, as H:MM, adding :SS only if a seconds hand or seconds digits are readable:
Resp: 12:46
